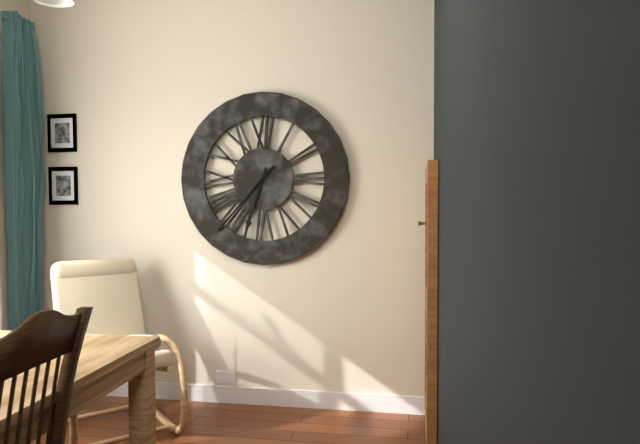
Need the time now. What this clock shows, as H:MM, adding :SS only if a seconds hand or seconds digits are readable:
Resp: 6:37
